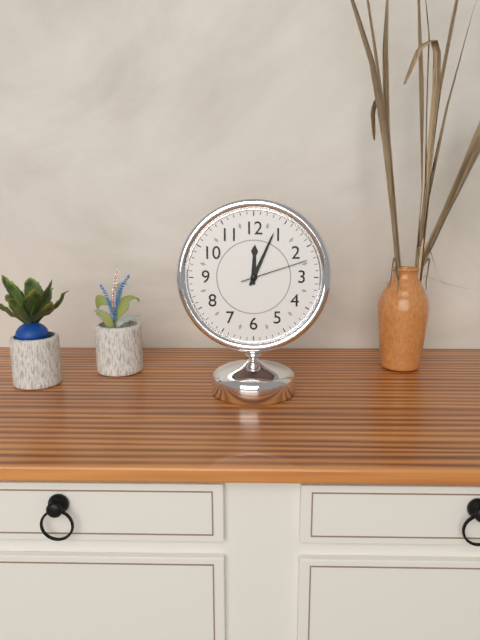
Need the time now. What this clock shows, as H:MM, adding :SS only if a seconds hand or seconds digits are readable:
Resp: 12:04:12
